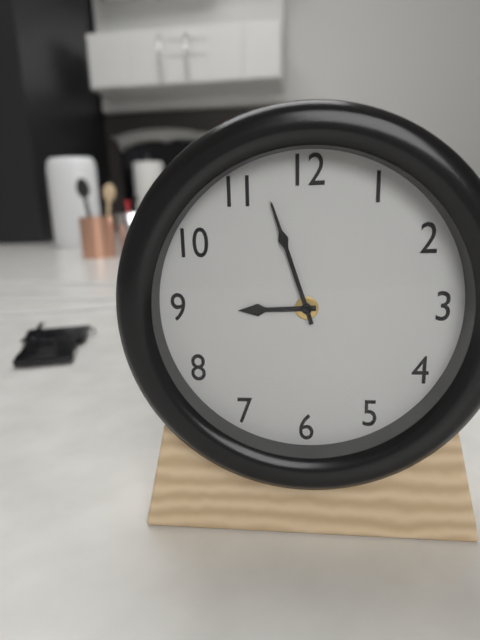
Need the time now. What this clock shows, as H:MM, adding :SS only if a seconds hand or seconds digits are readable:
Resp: 8:57
